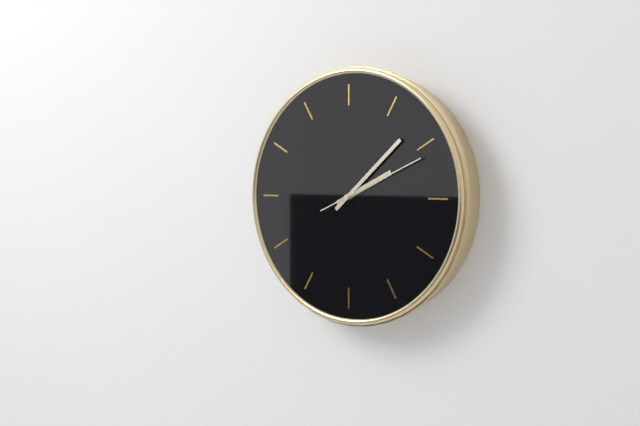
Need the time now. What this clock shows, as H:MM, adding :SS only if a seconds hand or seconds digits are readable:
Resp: 2:08:11
